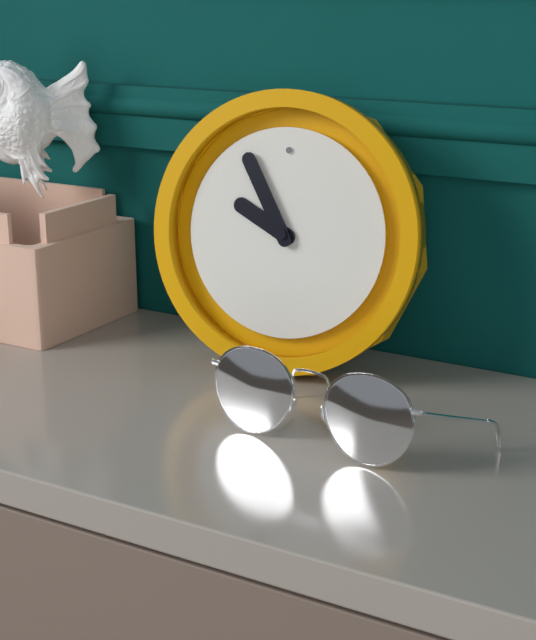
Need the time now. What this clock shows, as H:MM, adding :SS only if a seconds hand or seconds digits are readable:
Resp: 9:55
